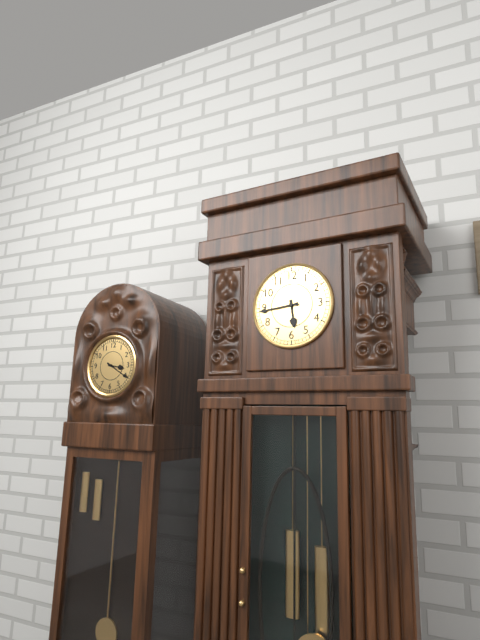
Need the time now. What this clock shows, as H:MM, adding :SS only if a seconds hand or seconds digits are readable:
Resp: 5:44
